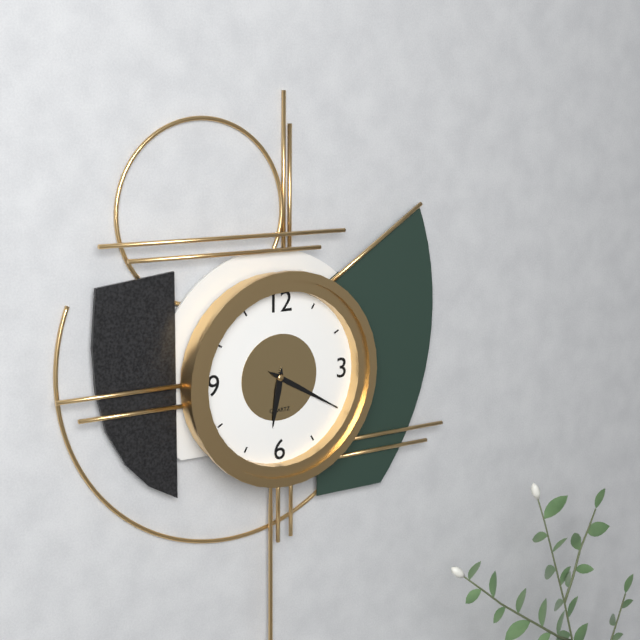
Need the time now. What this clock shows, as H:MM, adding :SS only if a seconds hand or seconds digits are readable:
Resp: 6:20
